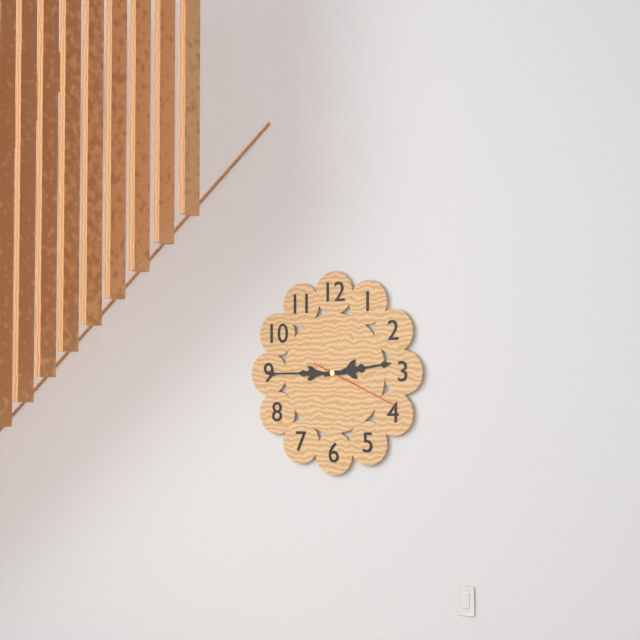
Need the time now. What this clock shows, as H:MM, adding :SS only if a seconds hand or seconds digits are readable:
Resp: 2:45:19
